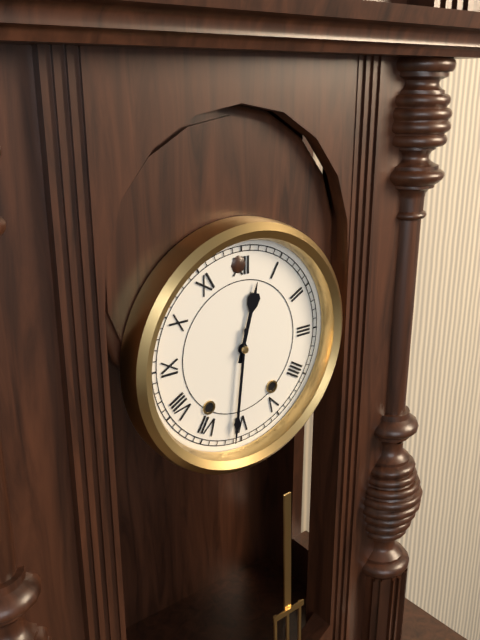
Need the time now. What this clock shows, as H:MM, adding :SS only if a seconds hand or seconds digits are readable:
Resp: 12:31
